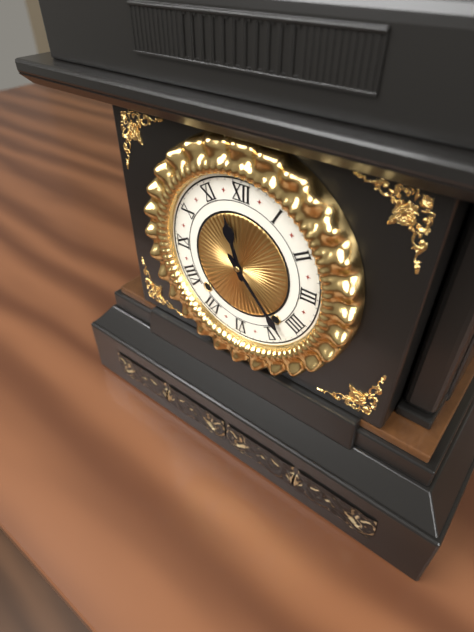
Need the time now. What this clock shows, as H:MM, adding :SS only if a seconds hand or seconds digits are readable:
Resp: 11:23
